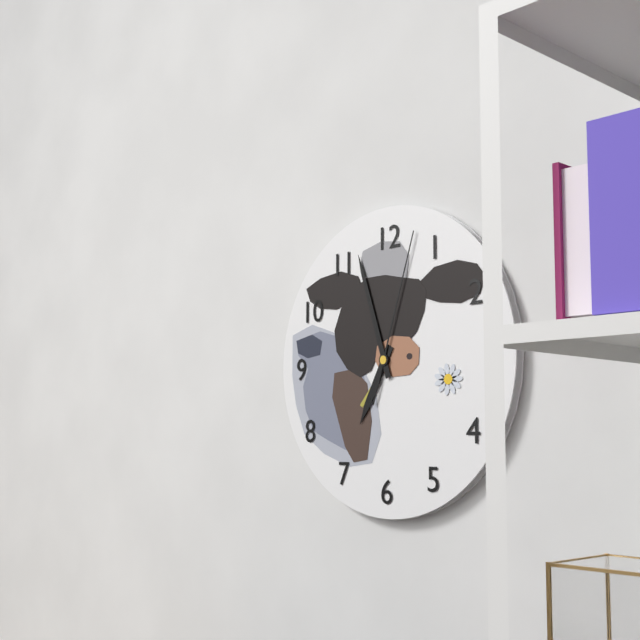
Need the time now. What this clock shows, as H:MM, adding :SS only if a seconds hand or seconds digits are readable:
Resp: 6:57:03
